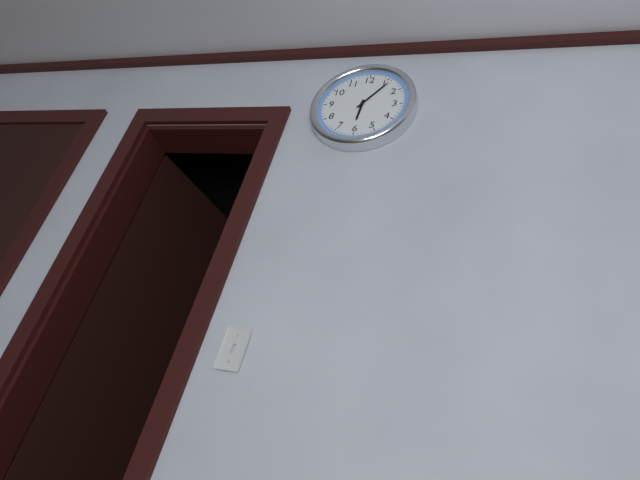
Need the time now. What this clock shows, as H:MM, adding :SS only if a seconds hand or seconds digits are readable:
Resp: 6:06
